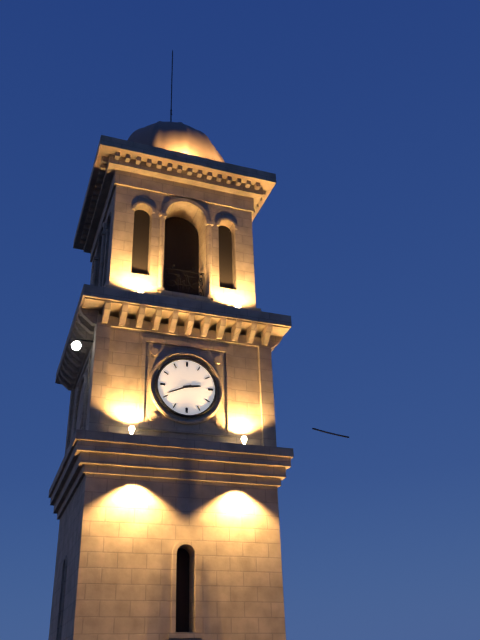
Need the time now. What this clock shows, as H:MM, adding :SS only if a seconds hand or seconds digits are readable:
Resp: 2:41
